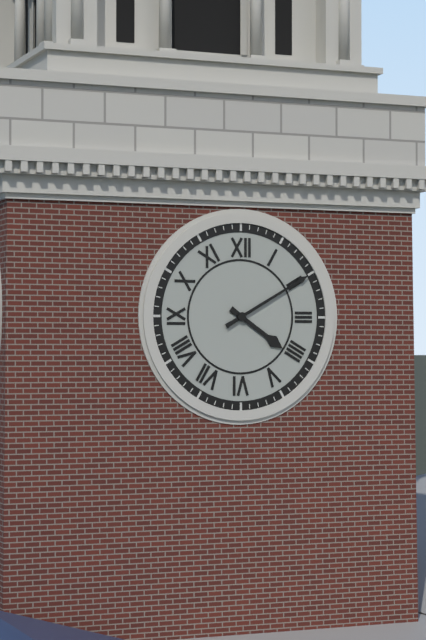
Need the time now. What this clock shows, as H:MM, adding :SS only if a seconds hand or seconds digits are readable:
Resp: 4:10
